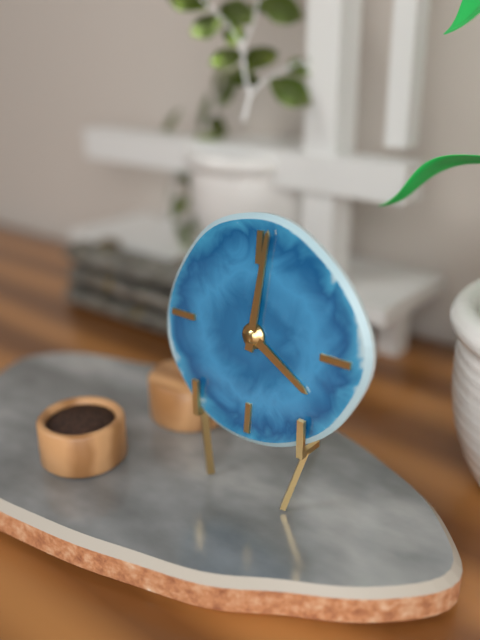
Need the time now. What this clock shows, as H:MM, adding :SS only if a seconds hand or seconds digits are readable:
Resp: 4:01
